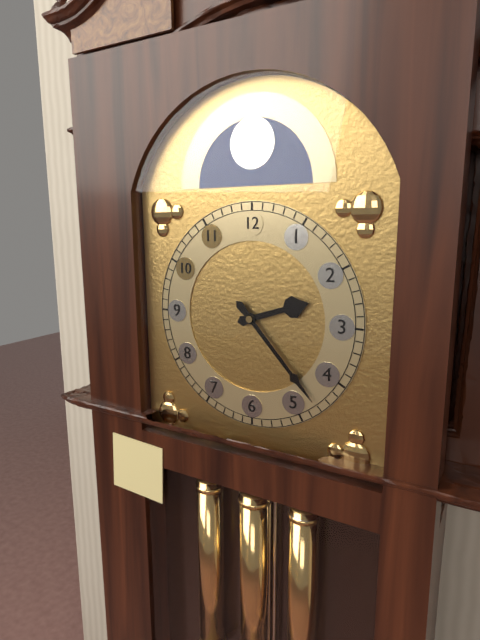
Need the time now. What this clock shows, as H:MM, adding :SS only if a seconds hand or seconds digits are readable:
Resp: 2:23
